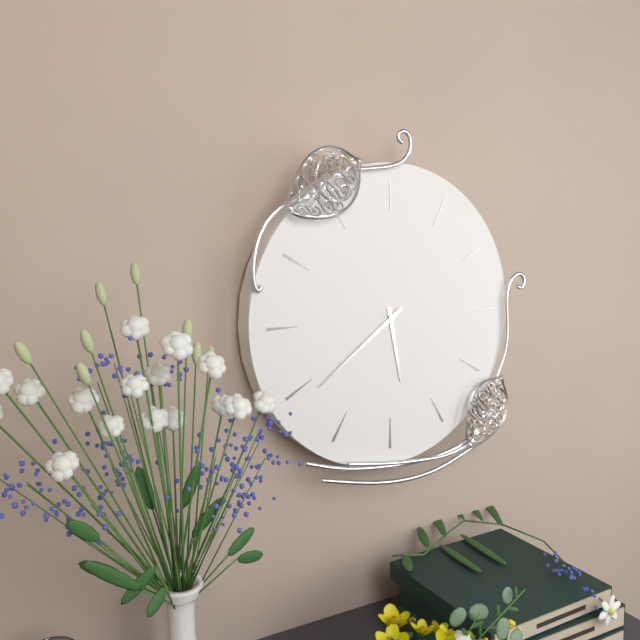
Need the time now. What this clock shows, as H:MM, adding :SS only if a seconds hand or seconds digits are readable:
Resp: 5:39
